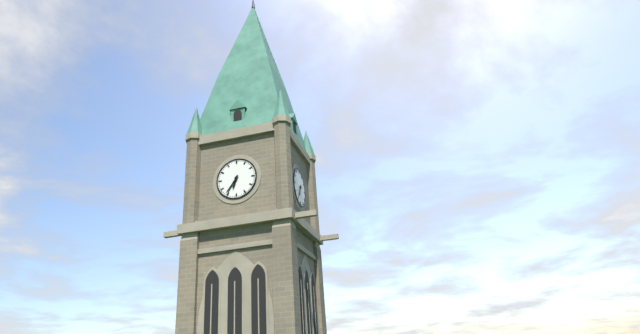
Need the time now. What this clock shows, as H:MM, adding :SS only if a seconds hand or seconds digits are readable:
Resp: 6:36
